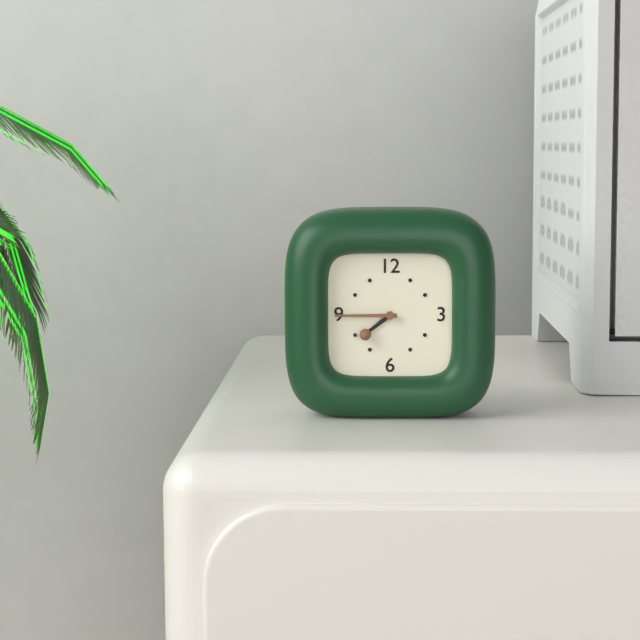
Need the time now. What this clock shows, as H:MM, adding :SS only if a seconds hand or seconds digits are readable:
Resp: 7:45
